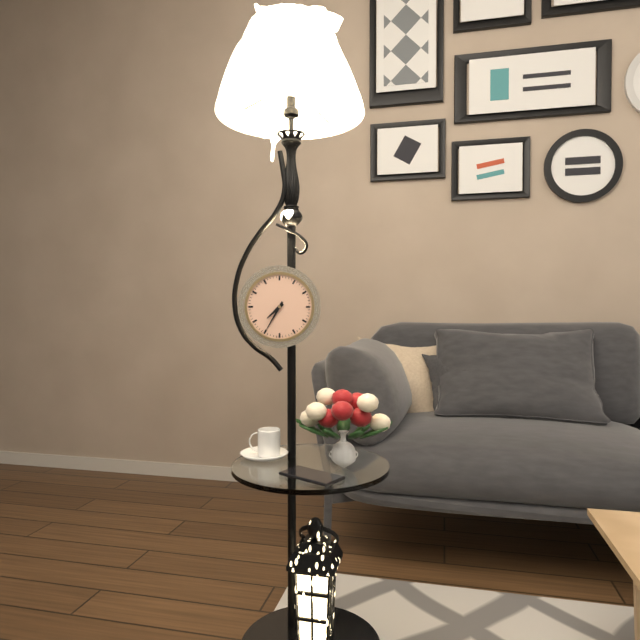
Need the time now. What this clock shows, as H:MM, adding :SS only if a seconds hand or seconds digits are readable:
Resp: 7:35
